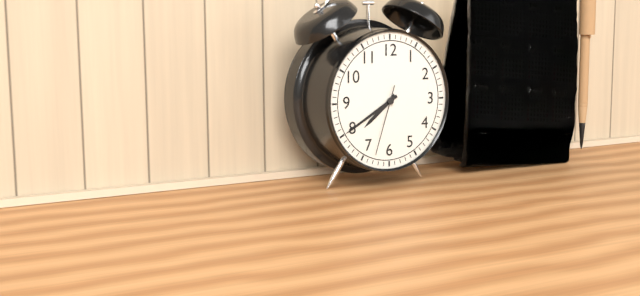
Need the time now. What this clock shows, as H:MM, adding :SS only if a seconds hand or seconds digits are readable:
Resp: 7:40:33
